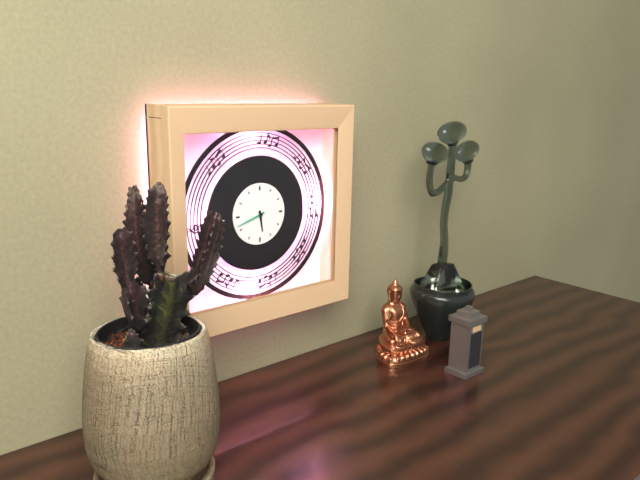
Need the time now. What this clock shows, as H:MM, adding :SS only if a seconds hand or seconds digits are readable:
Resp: 5:42
